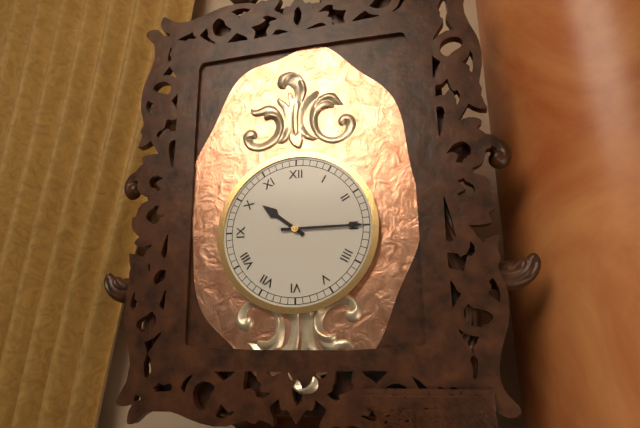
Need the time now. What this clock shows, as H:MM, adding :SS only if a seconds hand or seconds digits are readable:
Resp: 10:15
